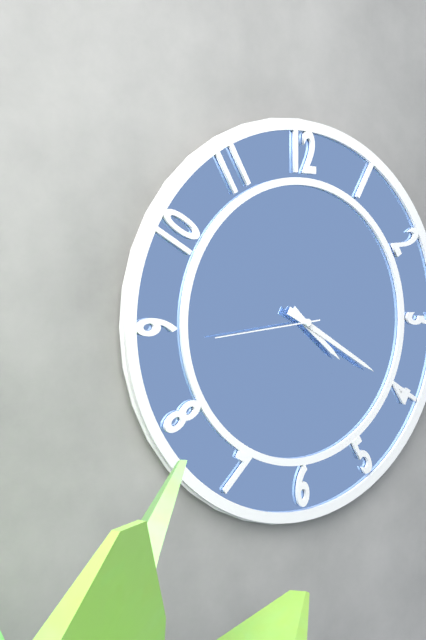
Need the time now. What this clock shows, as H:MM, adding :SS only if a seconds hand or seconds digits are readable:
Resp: 4:20:44
